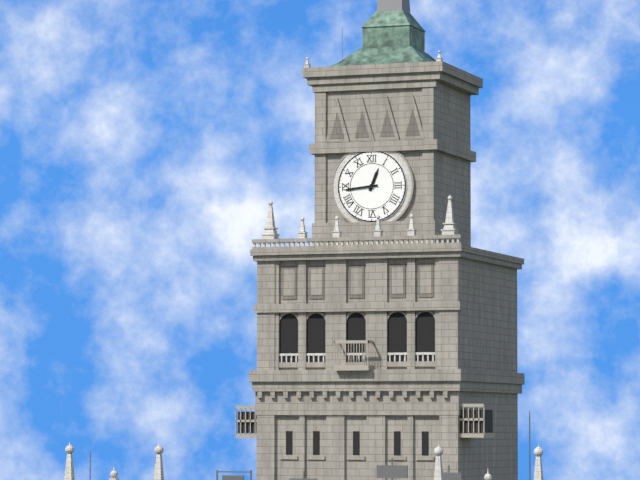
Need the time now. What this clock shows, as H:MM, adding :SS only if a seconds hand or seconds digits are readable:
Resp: 12:44
